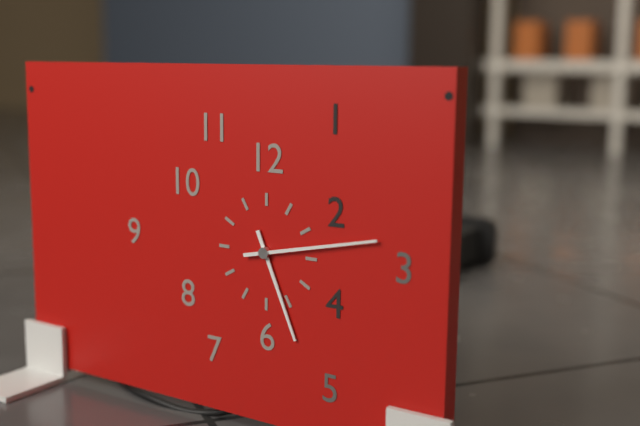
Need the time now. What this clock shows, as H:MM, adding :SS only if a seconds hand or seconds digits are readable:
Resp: 5:13
